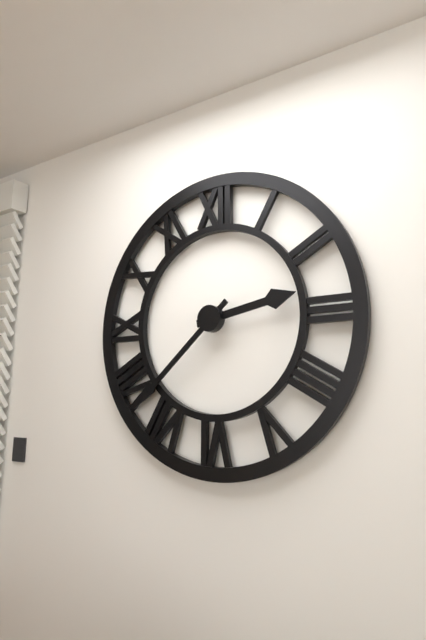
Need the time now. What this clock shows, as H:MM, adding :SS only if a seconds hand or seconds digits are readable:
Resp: 2:38
